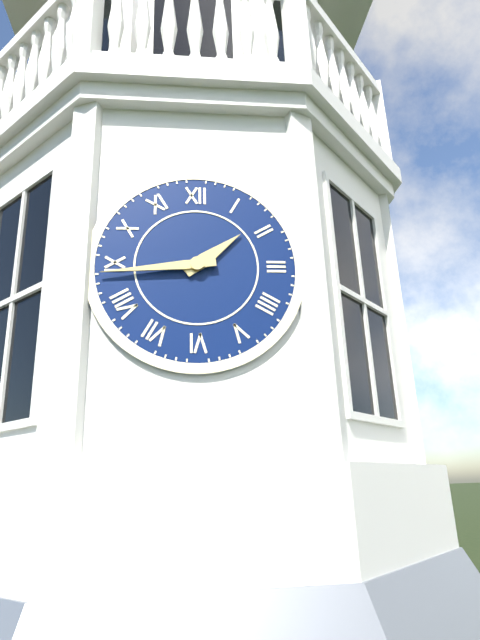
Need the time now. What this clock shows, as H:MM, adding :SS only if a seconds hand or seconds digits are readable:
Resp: 1:44
